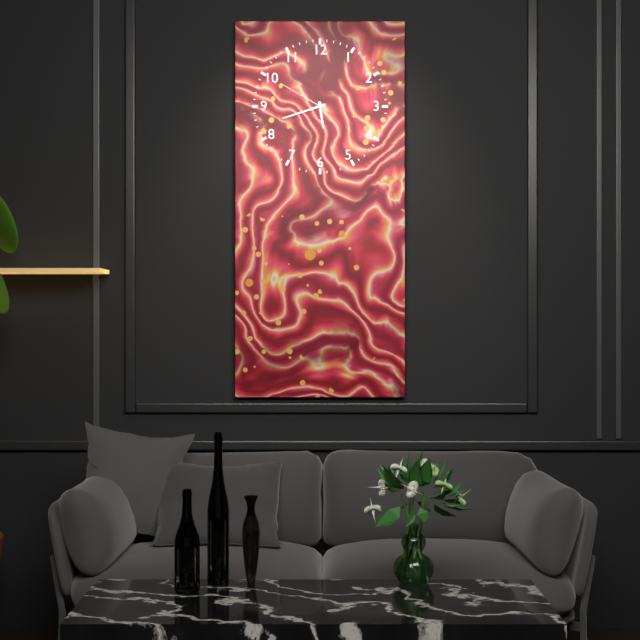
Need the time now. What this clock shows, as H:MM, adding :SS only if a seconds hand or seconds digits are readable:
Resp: 5:42:50
